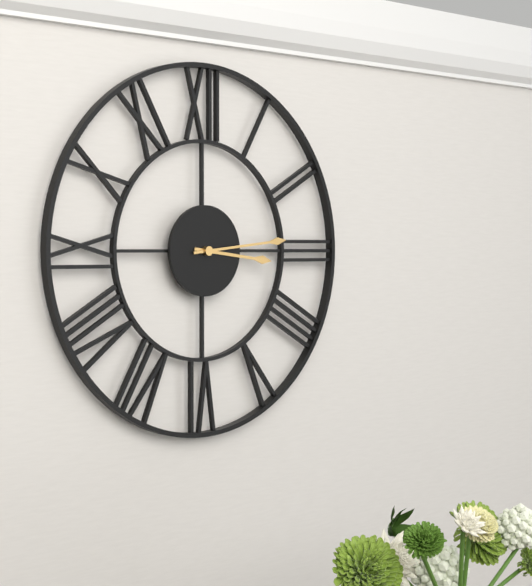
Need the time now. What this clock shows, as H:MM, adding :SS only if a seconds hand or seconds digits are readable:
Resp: 3:14
